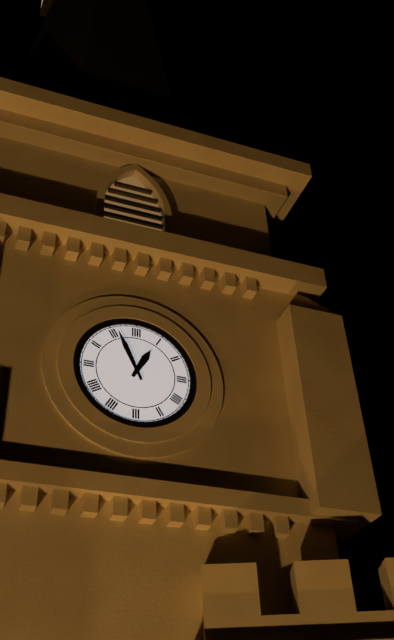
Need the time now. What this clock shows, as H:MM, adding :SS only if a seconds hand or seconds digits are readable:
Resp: 12:56
